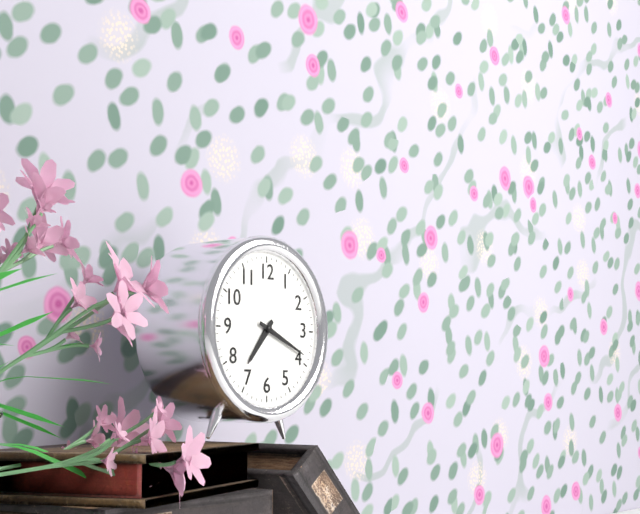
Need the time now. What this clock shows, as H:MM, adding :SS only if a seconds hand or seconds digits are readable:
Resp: 7:19
